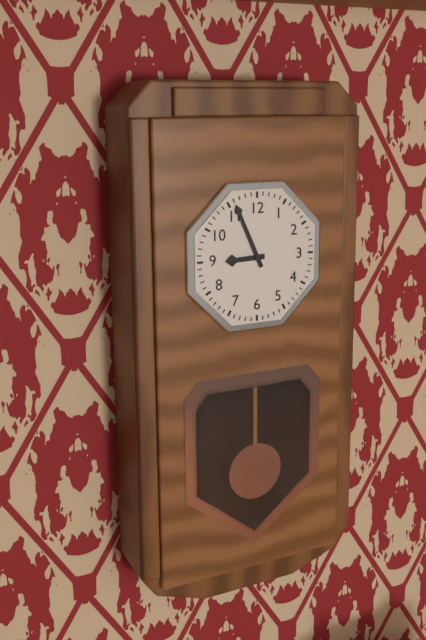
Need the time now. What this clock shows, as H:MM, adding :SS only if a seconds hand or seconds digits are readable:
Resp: 8:56
